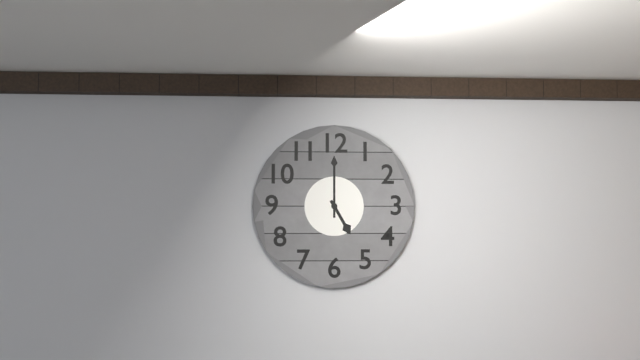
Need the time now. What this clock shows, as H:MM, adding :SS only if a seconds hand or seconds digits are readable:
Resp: 5:00
